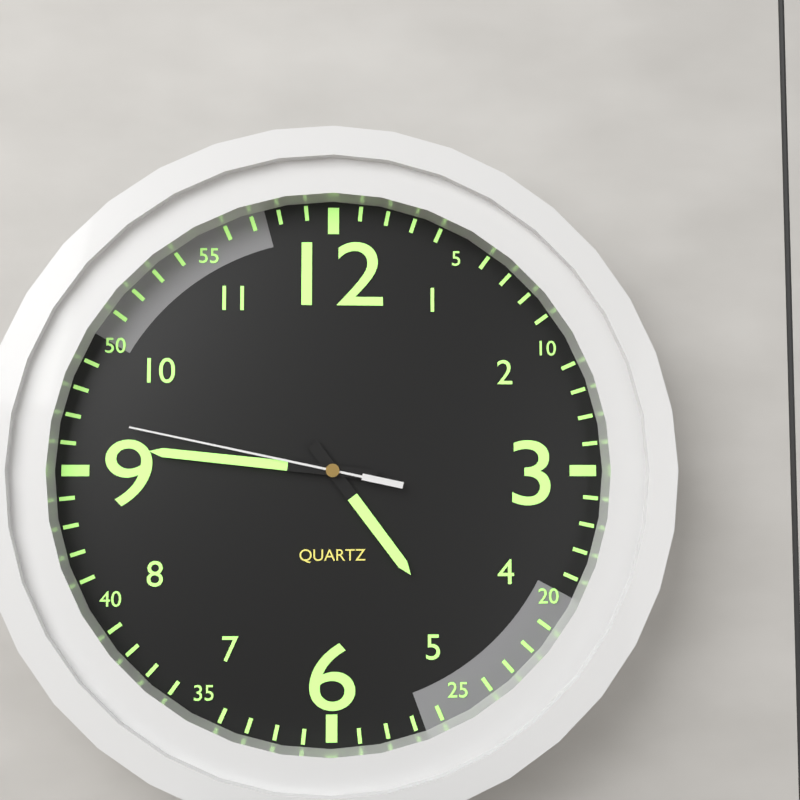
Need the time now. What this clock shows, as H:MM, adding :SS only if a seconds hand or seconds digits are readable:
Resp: 4:46:47
